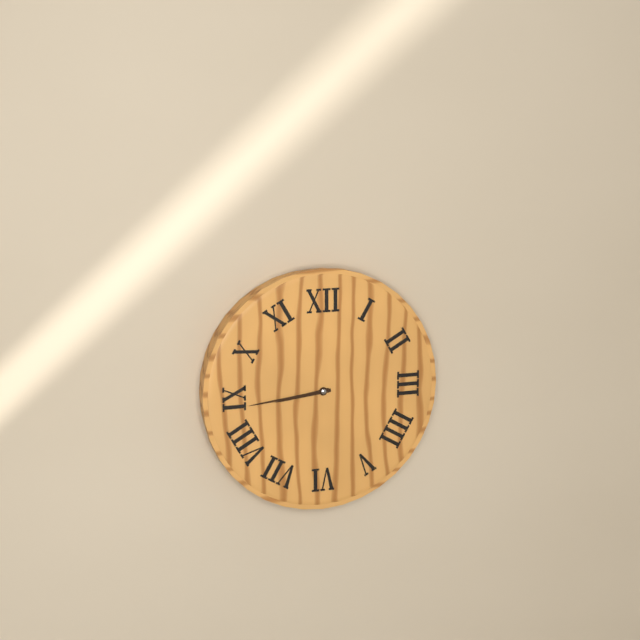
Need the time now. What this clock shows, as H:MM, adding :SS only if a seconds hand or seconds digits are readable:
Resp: 8:44
